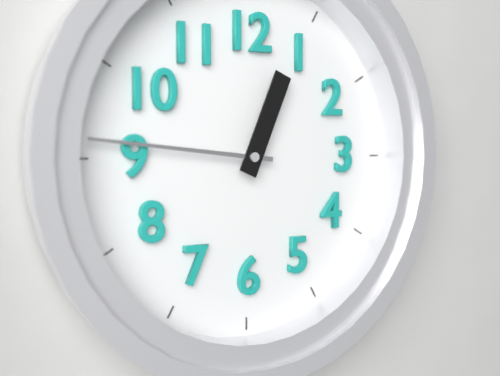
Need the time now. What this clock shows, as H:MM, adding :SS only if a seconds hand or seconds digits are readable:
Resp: 12:46
